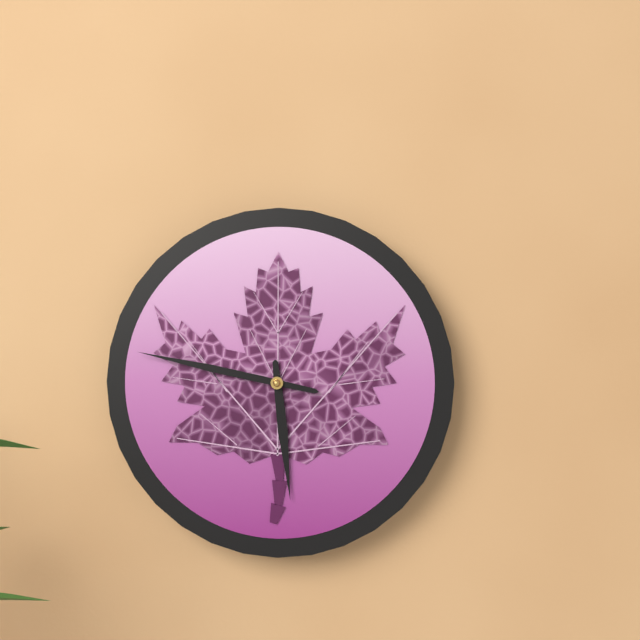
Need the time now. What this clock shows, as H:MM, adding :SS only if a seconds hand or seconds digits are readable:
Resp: 5:47
